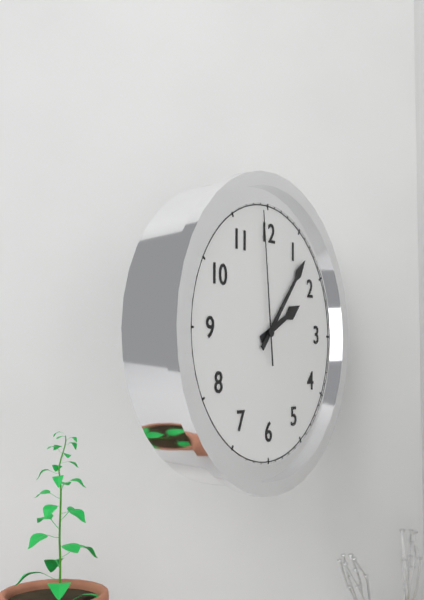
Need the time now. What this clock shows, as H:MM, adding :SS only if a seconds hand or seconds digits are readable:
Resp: 2:07:59
